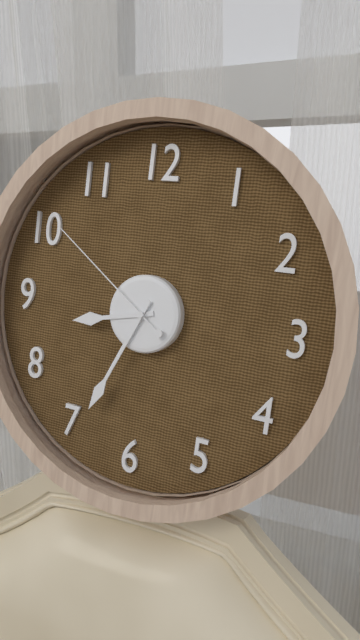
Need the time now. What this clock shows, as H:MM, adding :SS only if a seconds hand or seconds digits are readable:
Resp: 8:34:51
